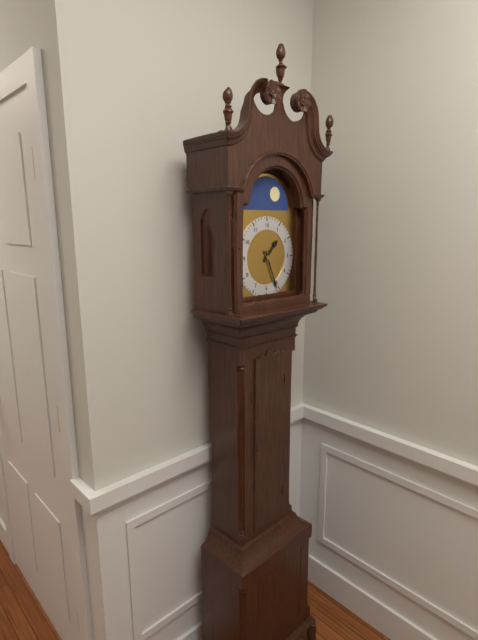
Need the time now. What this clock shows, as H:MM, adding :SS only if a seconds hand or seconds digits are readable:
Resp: 1:26
